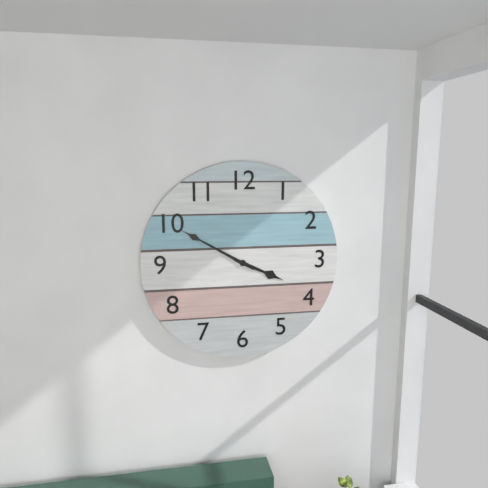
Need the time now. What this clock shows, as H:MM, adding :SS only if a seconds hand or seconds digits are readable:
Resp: 3:50
